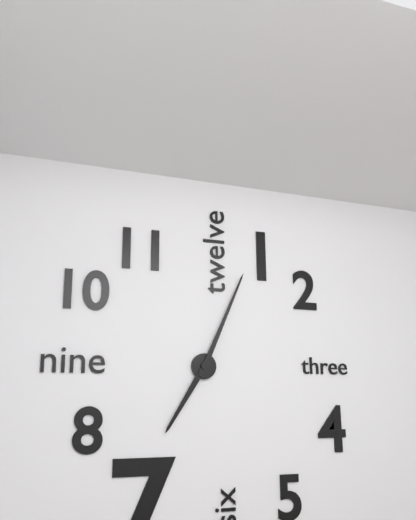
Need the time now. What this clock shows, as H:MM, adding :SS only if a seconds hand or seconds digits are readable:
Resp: 7:04
